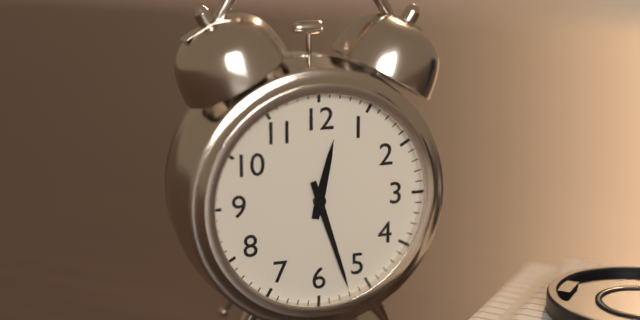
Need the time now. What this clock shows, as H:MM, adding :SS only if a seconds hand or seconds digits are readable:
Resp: 12:27
